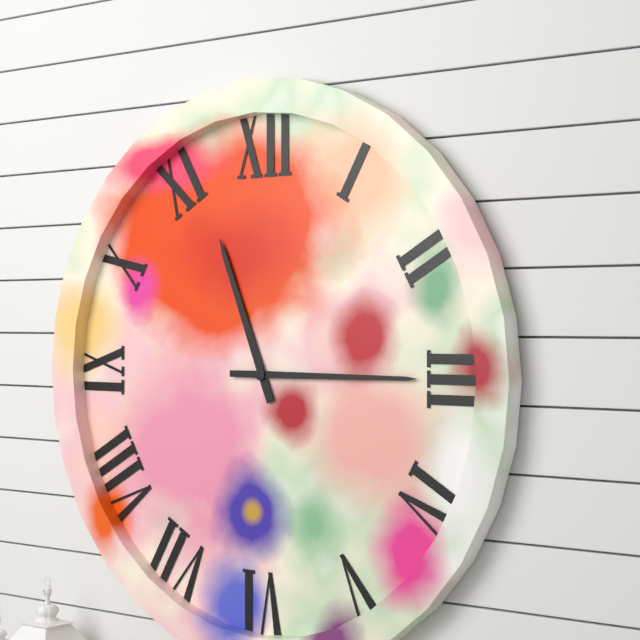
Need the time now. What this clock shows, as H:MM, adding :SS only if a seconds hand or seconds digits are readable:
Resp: 11:15
